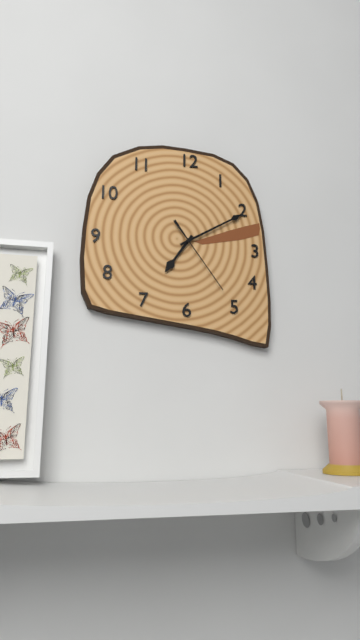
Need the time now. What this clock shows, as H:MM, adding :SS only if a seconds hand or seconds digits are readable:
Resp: 7:10:24
